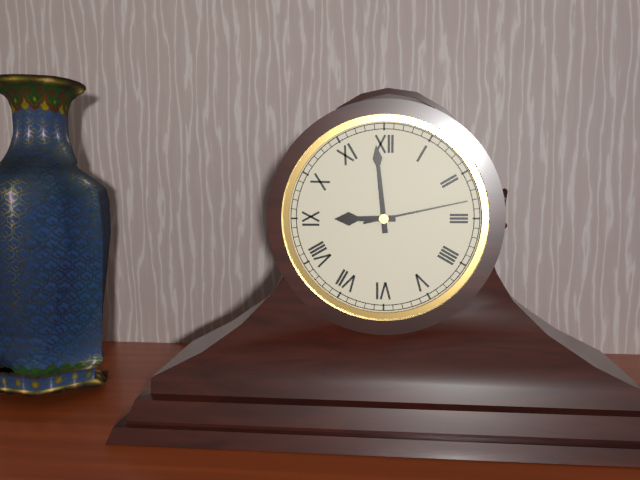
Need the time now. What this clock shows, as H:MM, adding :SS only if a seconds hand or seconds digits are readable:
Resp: 8:59:13
